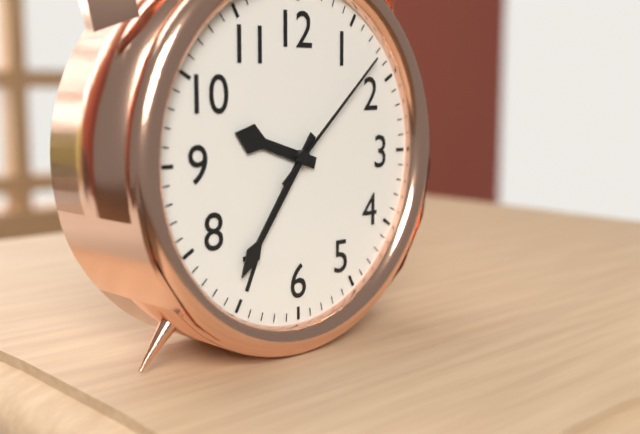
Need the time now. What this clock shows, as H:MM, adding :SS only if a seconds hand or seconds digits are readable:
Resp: 9:36:08
